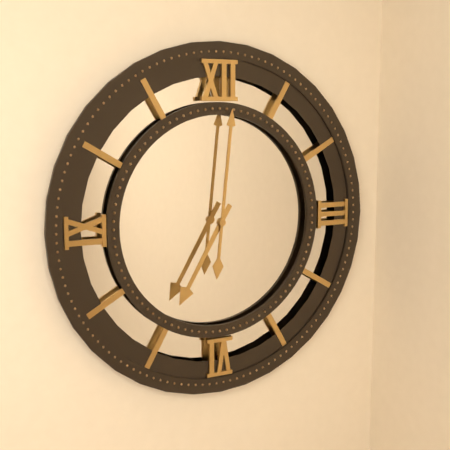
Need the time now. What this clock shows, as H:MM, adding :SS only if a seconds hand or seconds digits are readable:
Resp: 7:01
